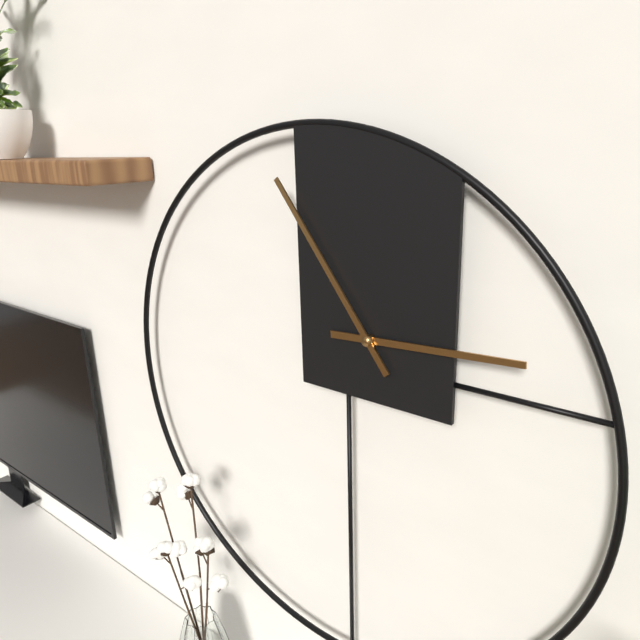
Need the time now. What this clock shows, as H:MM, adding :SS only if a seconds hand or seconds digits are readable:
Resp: 2:54
